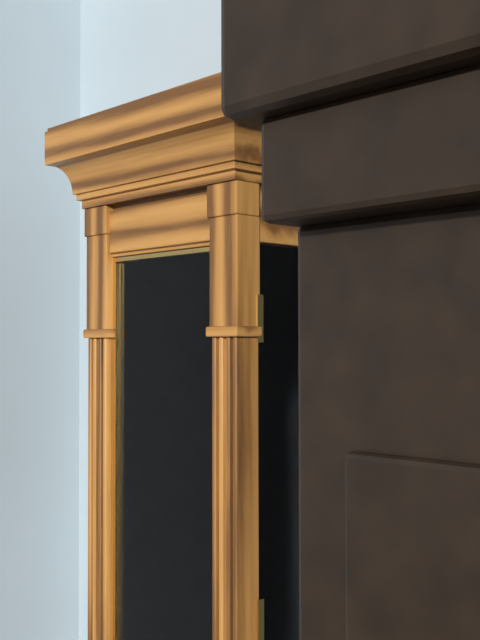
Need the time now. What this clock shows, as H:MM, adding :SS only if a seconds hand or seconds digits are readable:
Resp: 12:13
